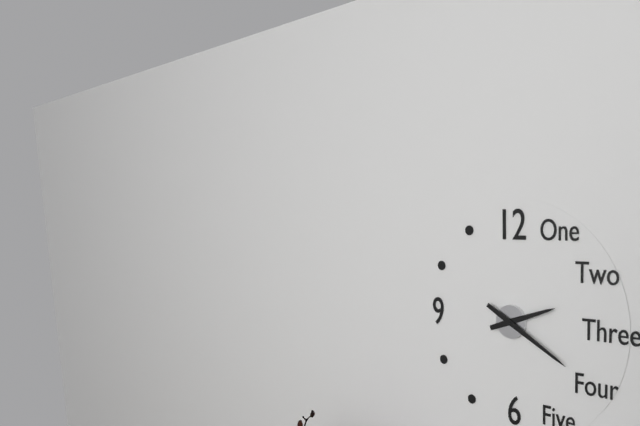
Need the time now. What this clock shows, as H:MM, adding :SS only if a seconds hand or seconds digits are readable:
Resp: 2:20
